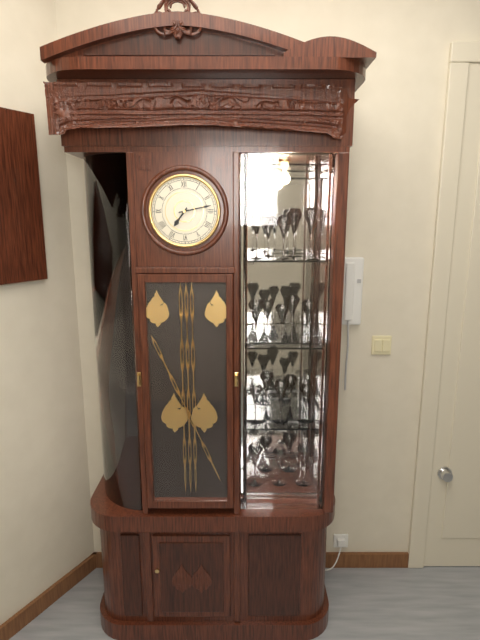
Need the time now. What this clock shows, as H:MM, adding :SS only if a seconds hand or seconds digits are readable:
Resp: 7:13
